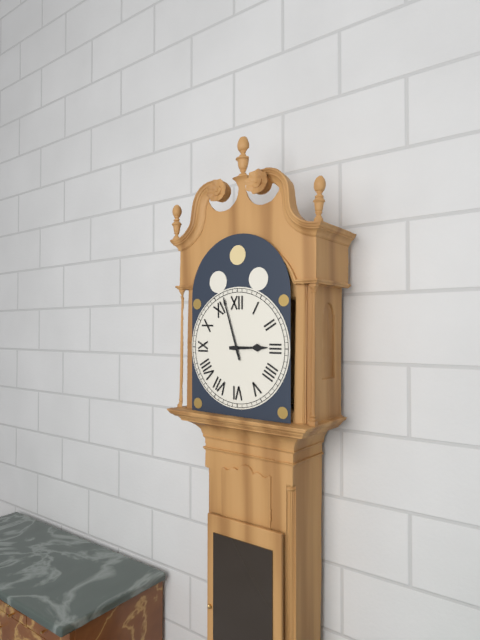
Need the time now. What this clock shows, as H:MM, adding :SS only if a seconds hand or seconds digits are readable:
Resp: 2:57
